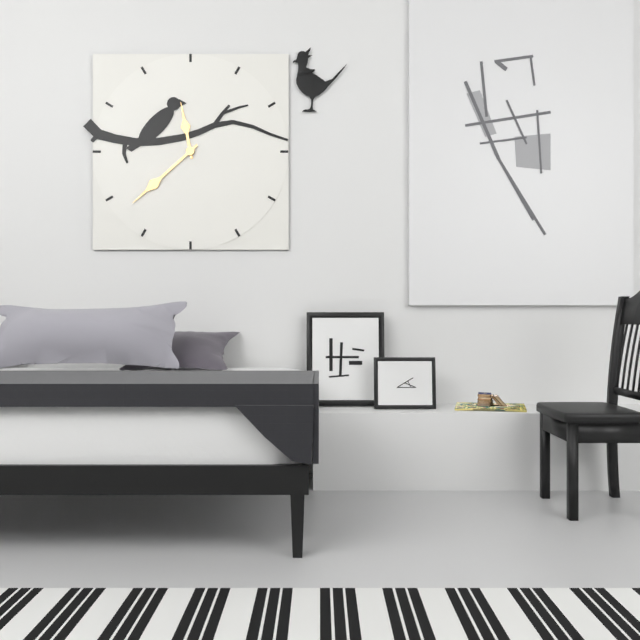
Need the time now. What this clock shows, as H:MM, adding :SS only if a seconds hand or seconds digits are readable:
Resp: 11:38
